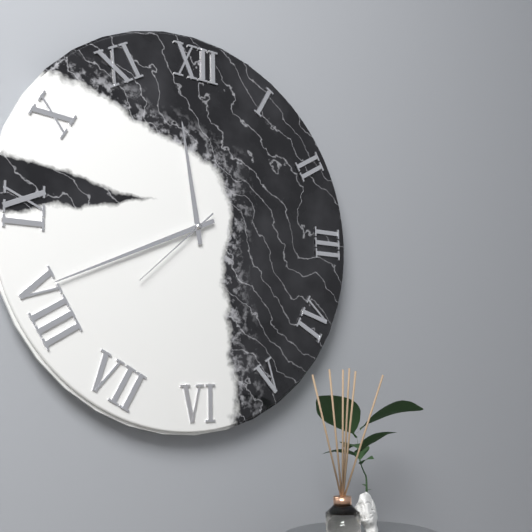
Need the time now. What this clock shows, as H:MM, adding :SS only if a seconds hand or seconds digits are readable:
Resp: 11:41:38
